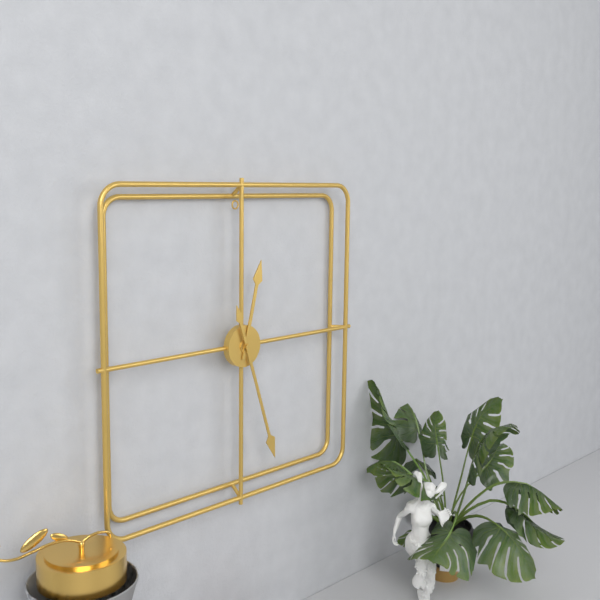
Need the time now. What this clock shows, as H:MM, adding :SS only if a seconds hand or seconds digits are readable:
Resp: 12:27
